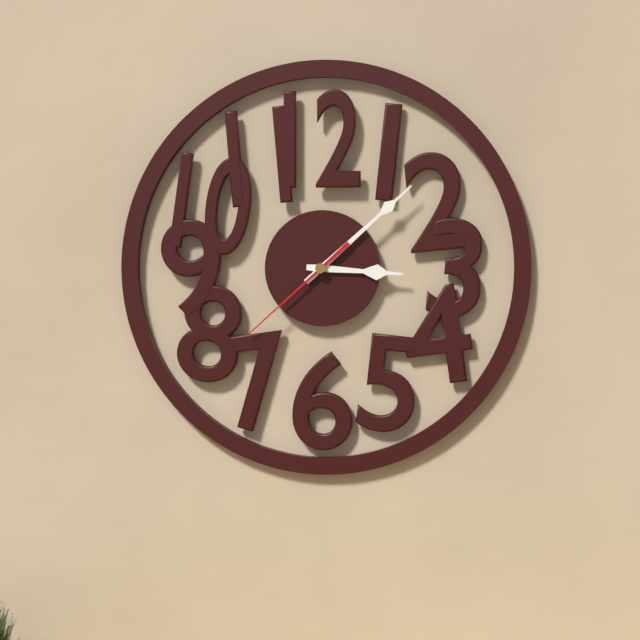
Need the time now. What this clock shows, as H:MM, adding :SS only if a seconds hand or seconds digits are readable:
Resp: 3:08:38
